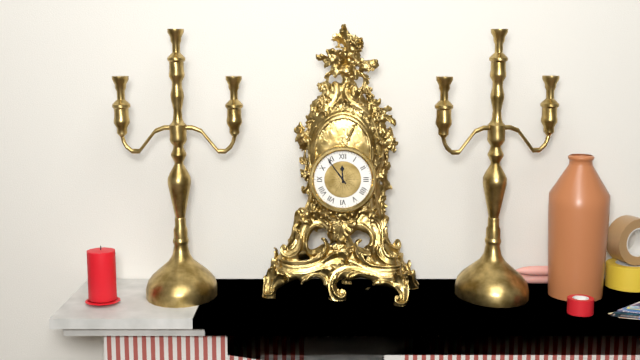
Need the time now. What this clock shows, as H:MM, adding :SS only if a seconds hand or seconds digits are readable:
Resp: 11:54
